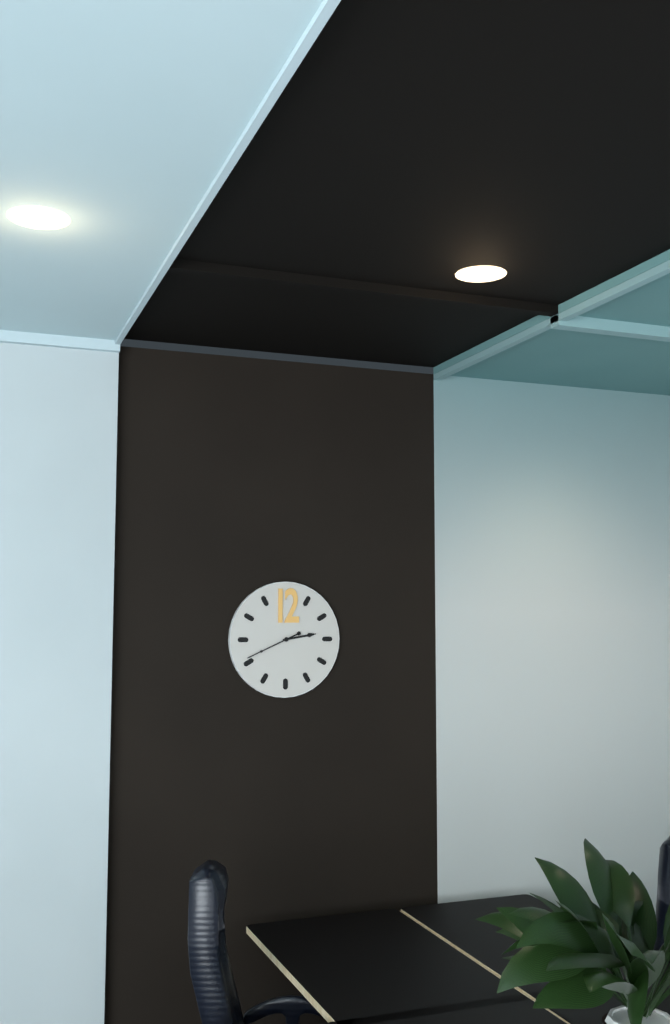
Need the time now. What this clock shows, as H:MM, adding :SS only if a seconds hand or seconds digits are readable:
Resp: 2:41
